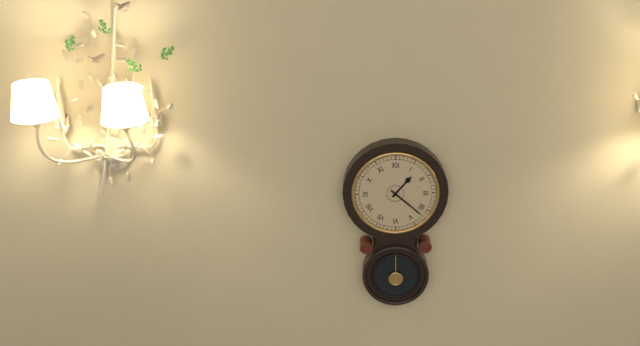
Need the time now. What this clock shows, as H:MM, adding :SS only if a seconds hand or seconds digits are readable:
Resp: 1:22
